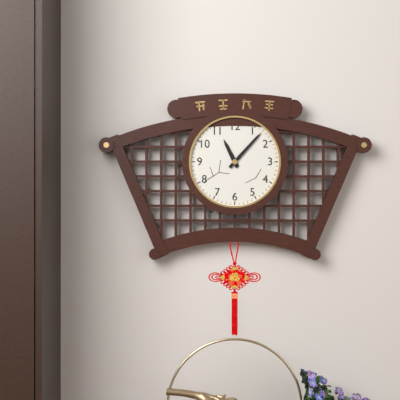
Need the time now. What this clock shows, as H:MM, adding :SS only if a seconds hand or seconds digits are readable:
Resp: 11:07
